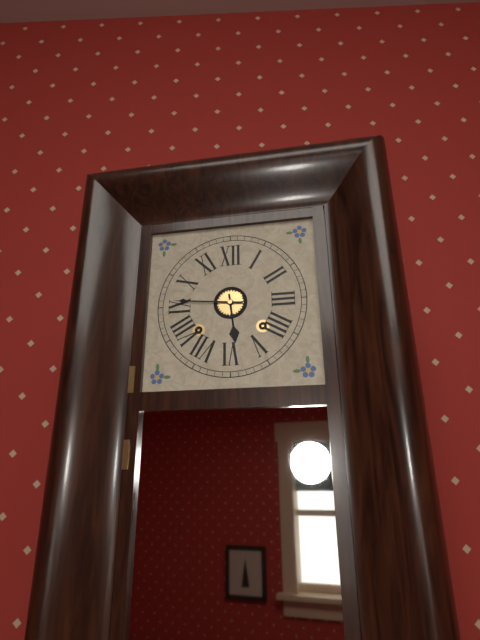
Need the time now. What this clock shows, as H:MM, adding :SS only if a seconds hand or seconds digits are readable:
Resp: 5:46
